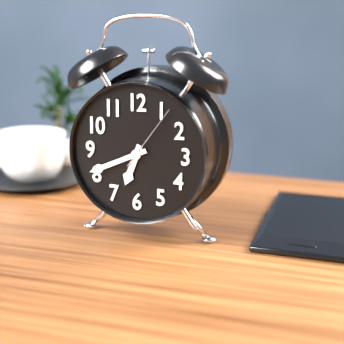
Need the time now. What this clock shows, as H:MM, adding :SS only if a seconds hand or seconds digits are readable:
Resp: 6:41:06
